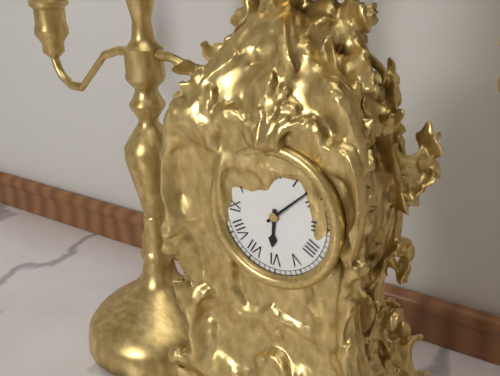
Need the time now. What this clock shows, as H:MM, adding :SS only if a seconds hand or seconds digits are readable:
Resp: 6:08
